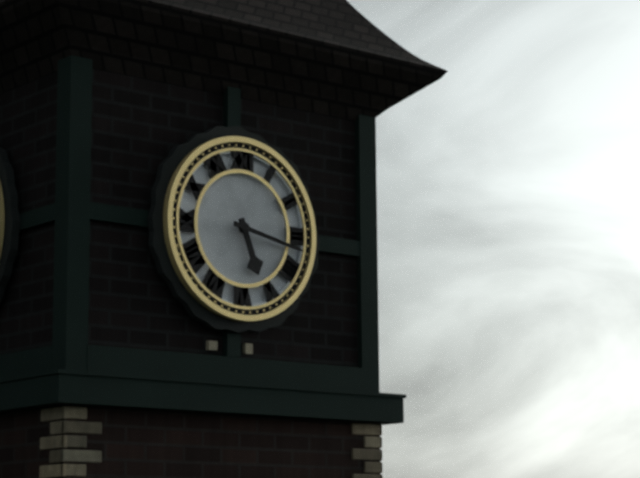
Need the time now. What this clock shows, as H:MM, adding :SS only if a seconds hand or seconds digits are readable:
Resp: 5:17
